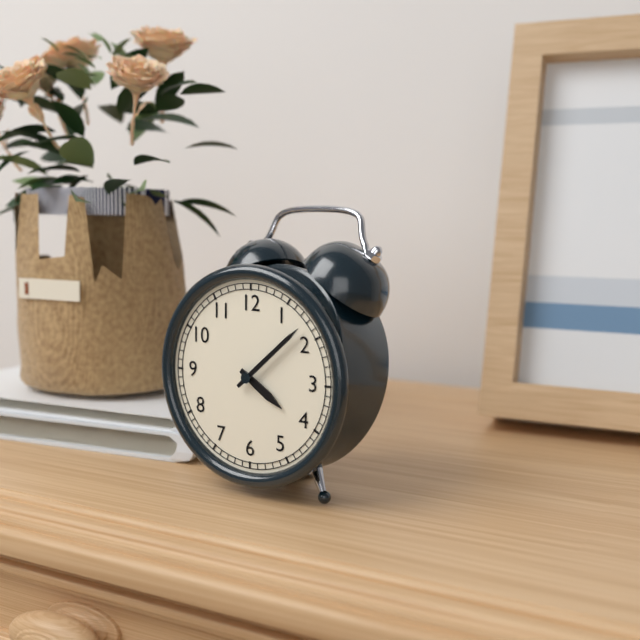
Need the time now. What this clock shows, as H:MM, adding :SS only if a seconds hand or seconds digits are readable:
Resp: 4:08
